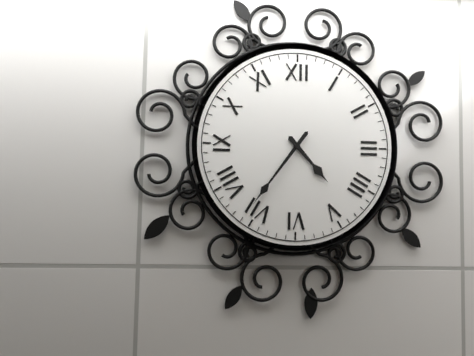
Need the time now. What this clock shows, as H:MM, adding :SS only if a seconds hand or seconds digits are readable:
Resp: 4:36
